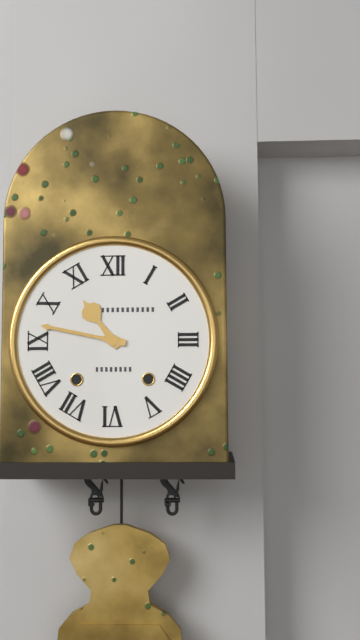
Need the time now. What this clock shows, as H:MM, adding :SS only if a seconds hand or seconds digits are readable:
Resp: 10:47
